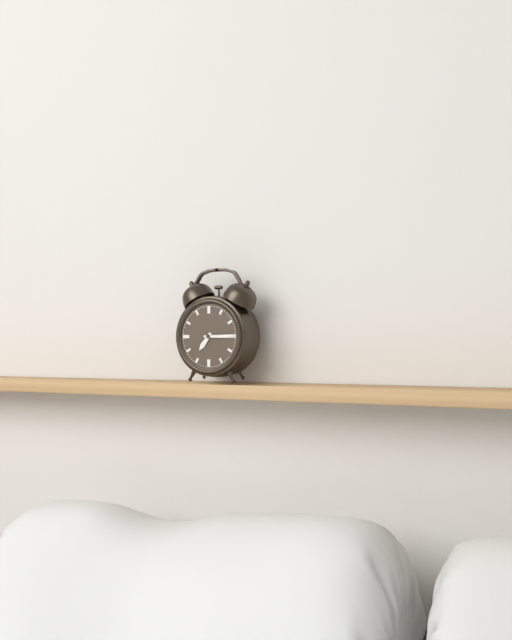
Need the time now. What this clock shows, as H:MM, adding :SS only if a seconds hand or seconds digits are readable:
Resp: 7:15
